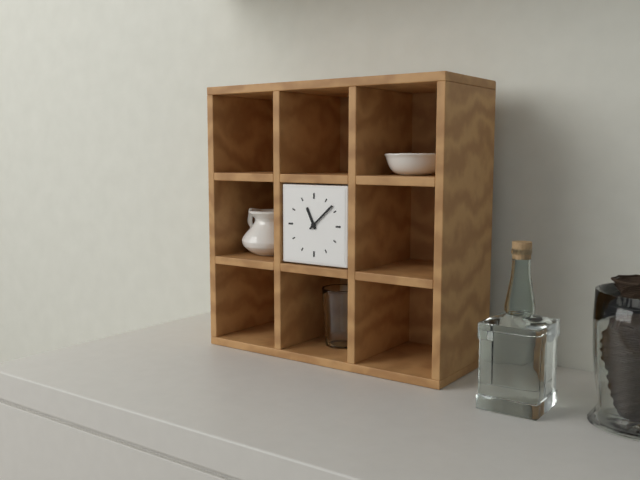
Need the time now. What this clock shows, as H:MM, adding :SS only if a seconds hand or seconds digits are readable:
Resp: 11:08
